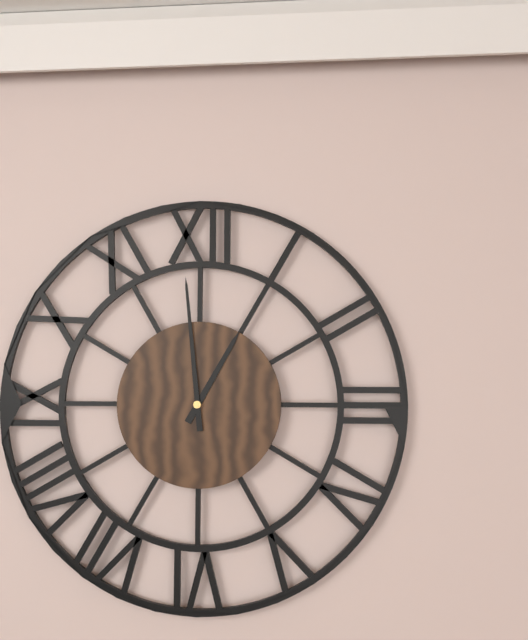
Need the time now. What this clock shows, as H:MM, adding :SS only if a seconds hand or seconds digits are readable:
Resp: 12:59
